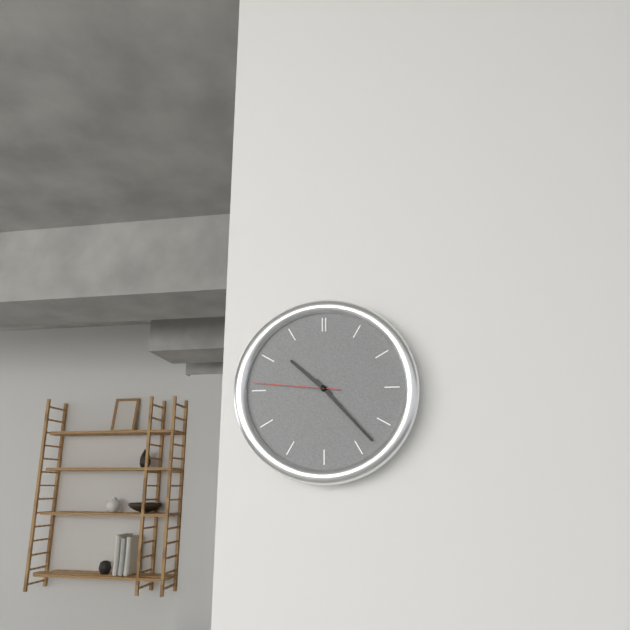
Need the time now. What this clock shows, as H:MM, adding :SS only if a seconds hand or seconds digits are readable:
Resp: 10:23:46
